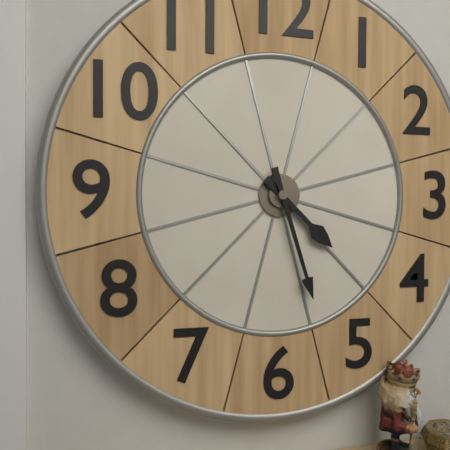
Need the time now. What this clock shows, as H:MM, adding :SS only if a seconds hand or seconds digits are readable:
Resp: 4:27
